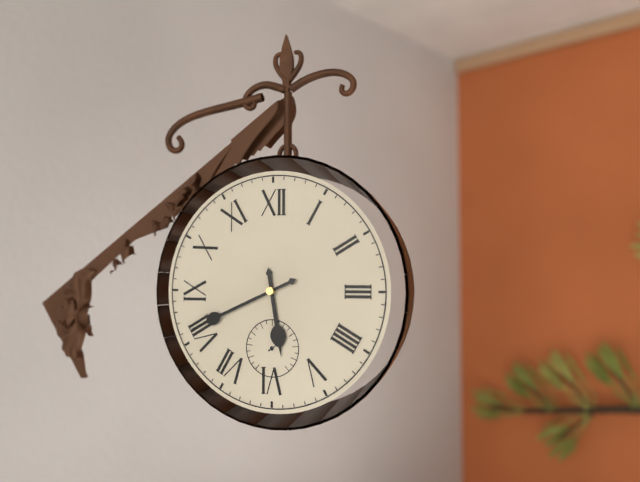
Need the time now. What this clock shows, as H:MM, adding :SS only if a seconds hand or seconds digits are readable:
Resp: 5:41
